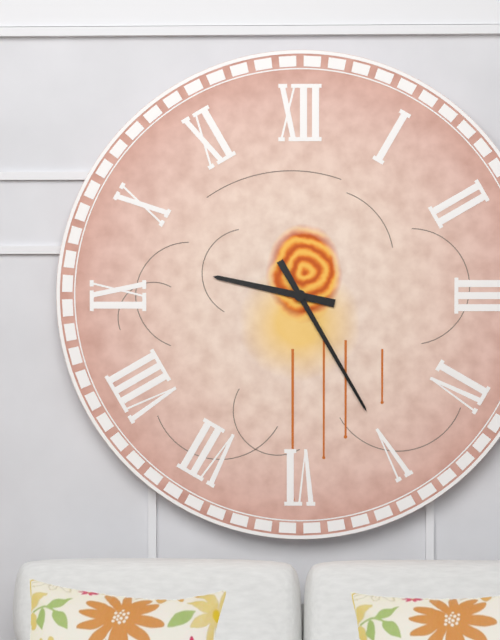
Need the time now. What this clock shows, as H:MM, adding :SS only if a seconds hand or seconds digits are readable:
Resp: 9:25
